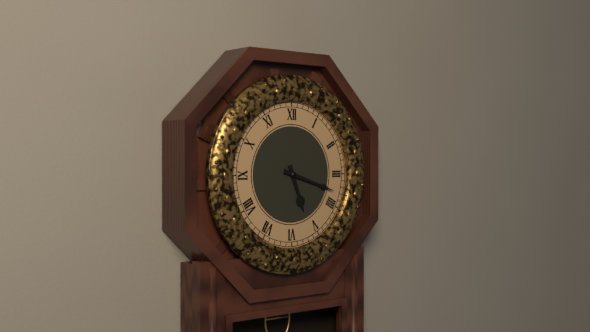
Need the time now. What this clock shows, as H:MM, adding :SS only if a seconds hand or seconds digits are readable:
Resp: 5:18
